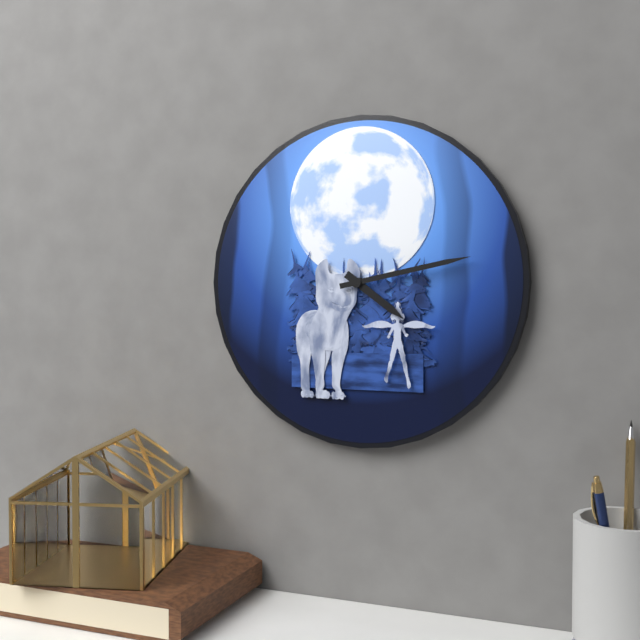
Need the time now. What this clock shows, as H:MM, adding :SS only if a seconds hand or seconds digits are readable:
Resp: 4:13
